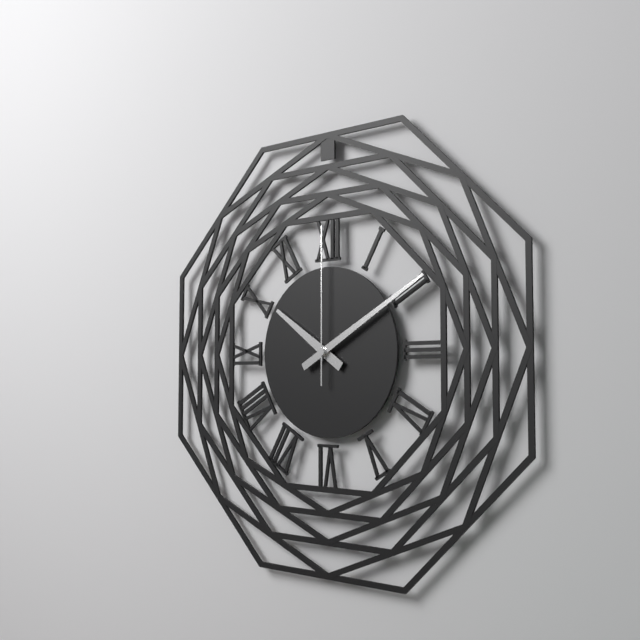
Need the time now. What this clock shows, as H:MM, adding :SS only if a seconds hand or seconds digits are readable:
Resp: 10:10:00
